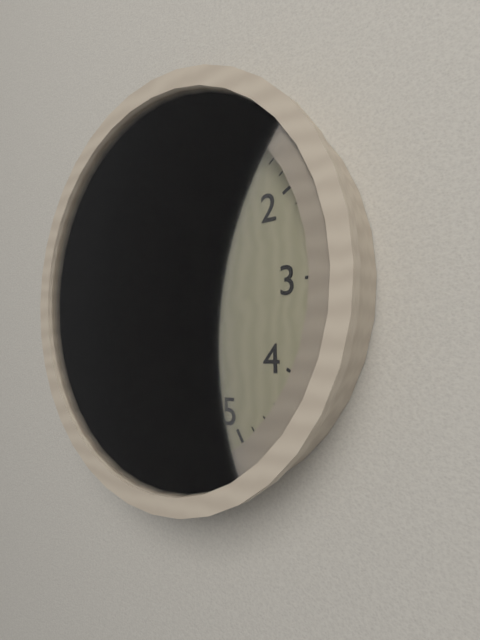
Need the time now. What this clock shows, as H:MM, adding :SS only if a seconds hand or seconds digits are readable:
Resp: 4:54:32
